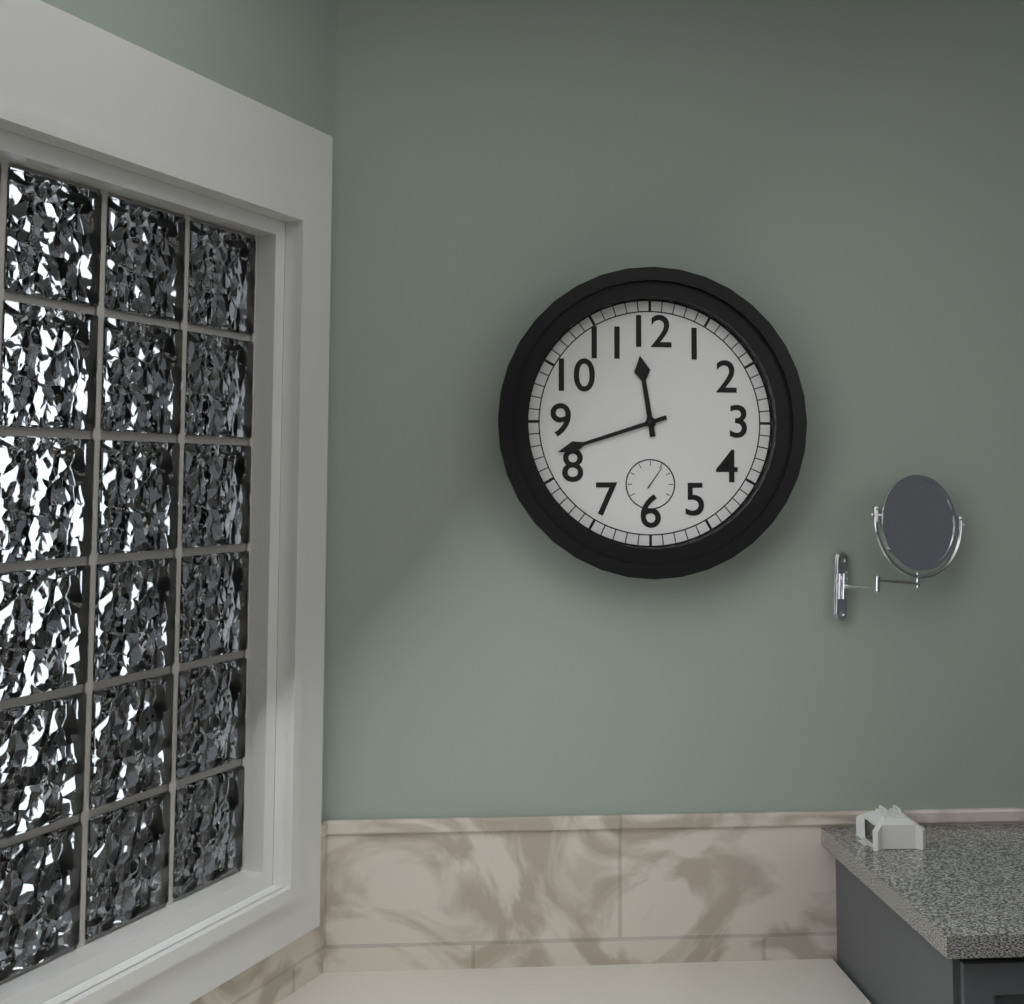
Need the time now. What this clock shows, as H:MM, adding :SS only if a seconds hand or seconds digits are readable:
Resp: 11:42
